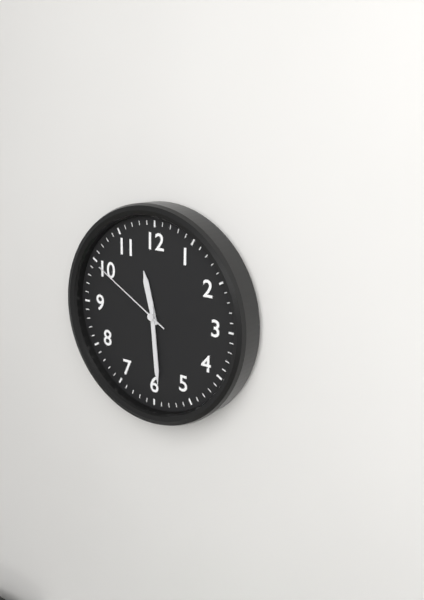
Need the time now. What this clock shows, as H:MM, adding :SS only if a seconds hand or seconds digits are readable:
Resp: 11:29:50
